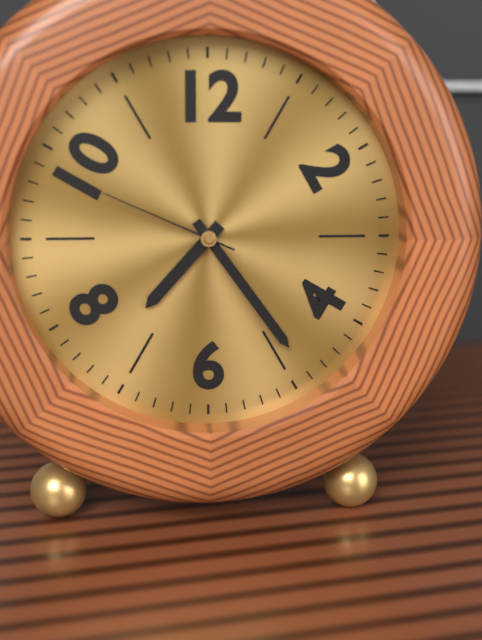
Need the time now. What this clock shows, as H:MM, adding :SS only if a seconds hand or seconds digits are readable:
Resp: 7:24:49
